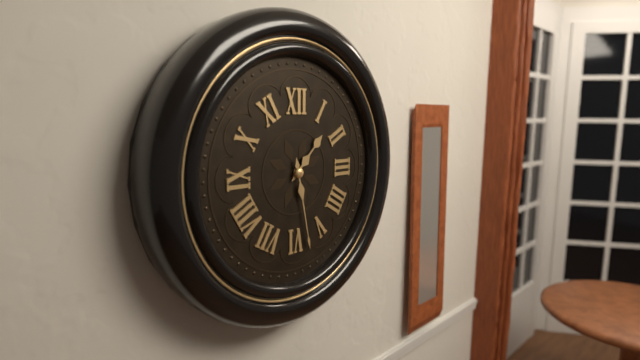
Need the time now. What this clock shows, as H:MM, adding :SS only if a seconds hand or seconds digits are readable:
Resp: 1:28
